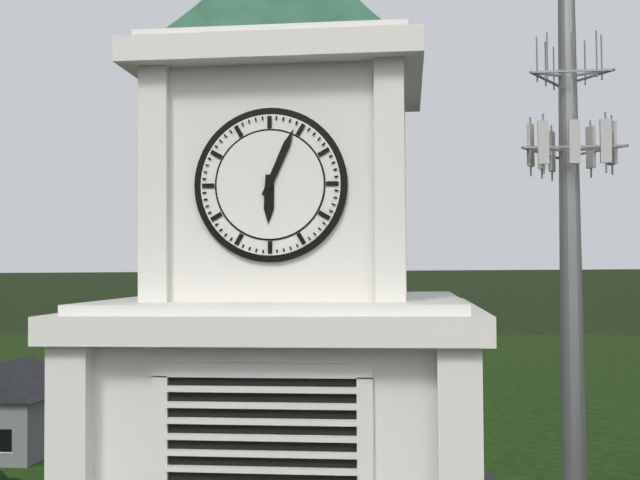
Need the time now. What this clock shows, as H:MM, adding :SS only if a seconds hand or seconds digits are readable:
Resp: 6:04
